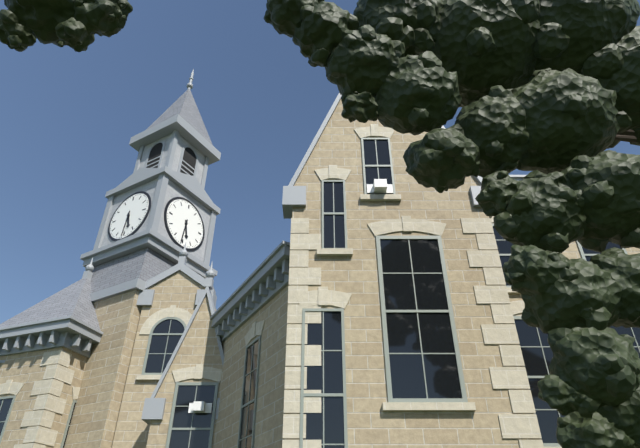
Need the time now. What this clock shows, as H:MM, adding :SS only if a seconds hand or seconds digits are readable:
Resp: 5:31
